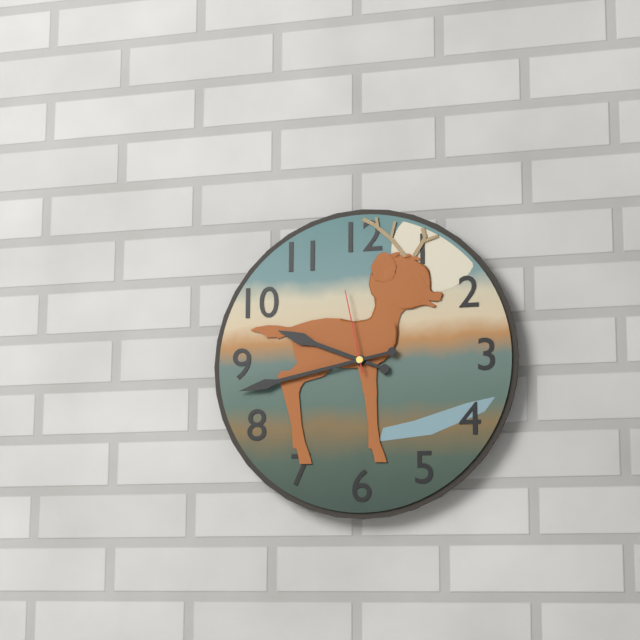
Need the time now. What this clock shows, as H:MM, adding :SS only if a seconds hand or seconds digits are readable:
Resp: 9:43:58
